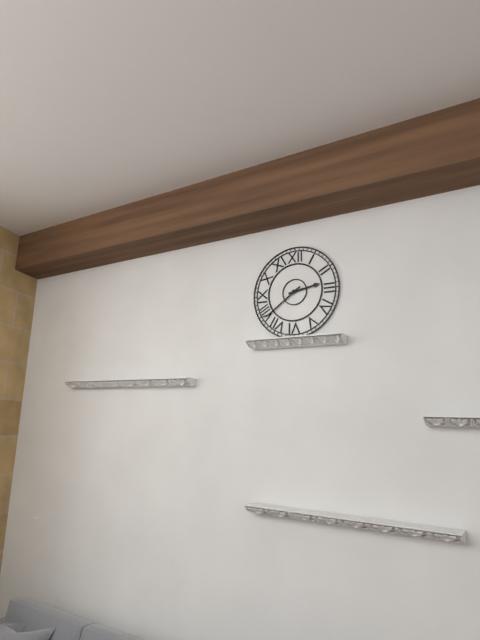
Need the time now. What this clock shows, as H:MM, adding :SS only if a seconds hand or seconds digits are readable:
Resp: 2:39
